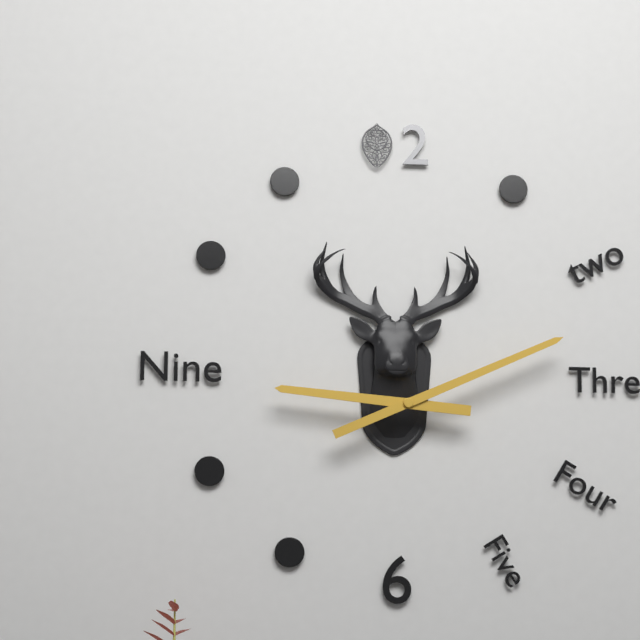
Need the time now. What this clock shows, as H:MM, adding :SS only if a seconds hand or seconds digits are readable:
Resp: 9:11
